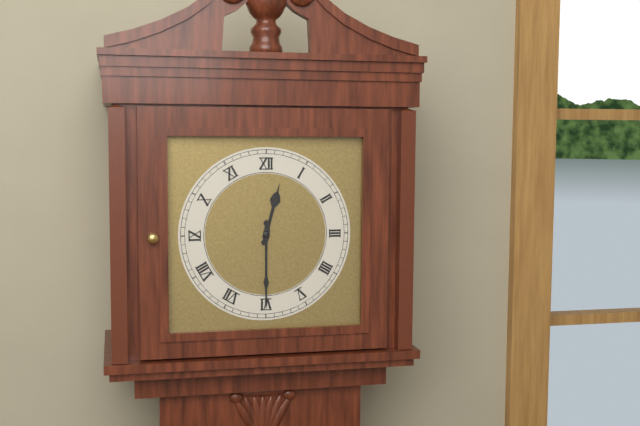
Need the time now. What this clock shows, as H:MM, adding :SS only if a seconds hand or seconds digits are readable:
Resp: 12:30
